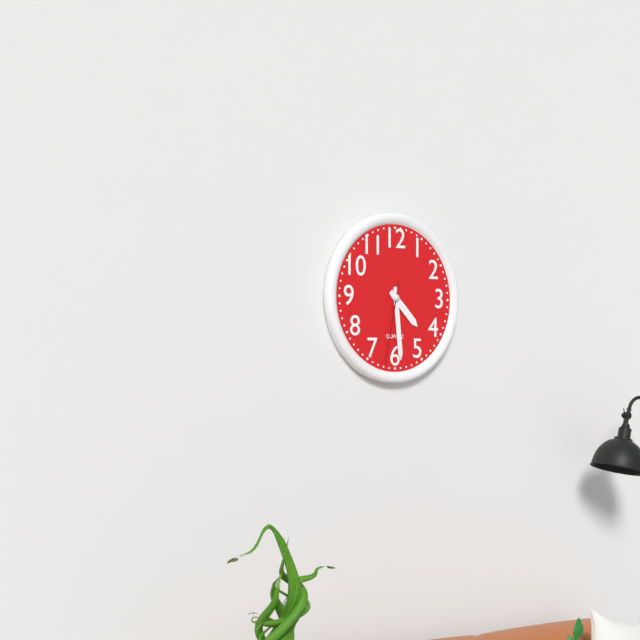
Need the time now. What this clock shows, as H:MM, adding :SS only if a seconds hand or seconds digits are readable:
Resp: 4:29:32
